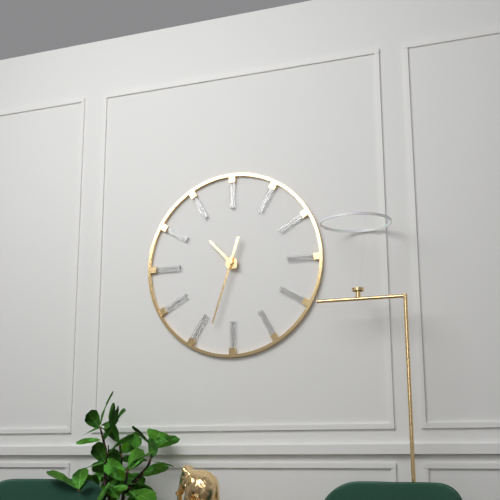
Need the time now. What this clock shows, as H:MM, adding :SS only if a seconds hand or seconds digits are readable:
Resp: 10:33
